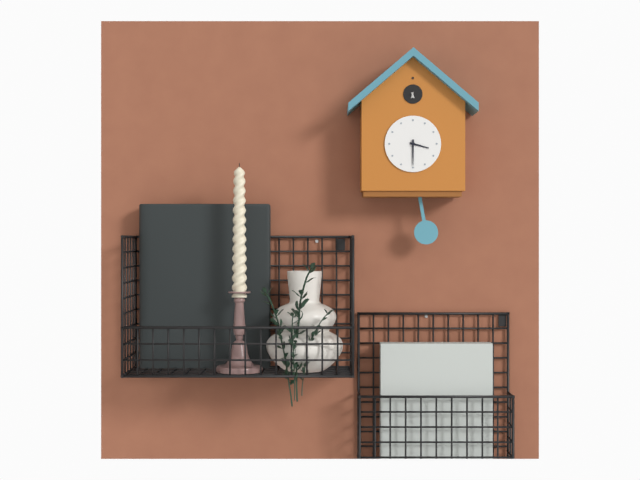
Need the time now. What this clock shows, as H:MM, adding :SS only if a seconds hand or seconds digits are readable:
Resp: 3:30
